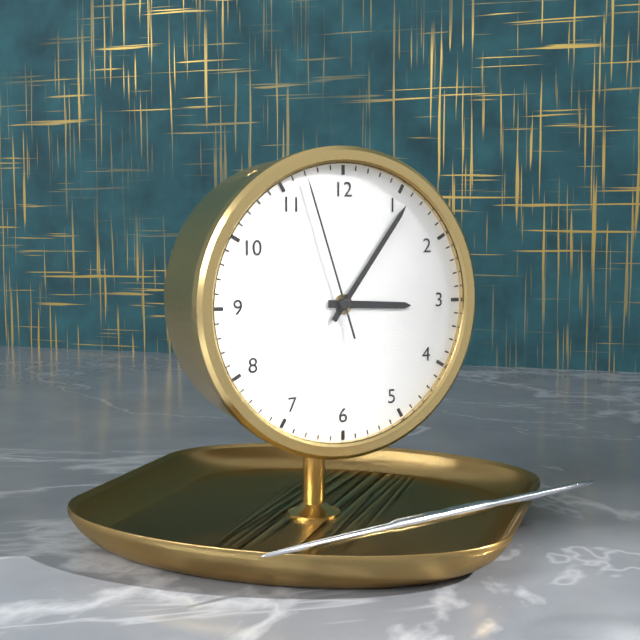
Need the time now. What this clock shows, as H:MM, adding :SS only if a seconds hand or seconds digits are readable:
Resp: 3:06:57
